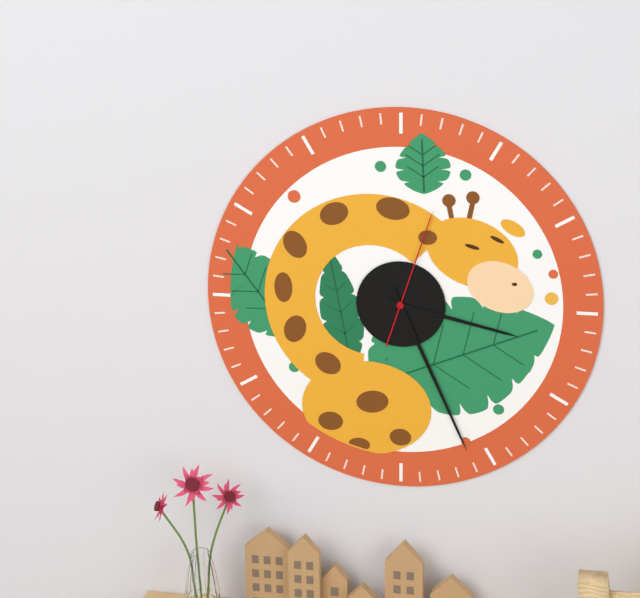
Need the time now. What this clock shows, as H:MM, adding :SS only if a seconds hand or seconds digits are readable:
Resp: 3:26:03
